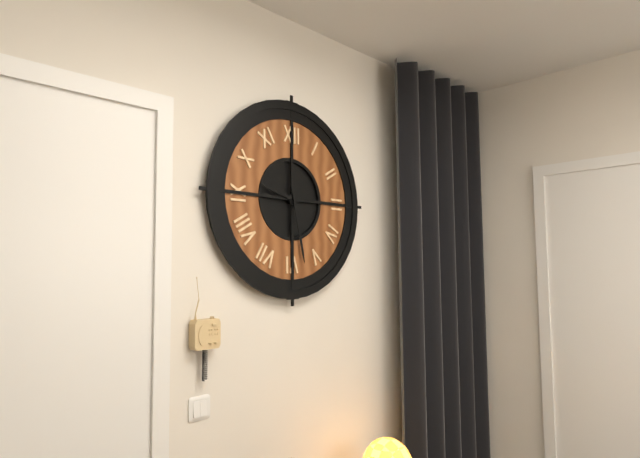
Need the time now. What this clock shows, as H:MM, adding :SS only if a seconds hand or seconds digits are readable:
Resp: 9:28
